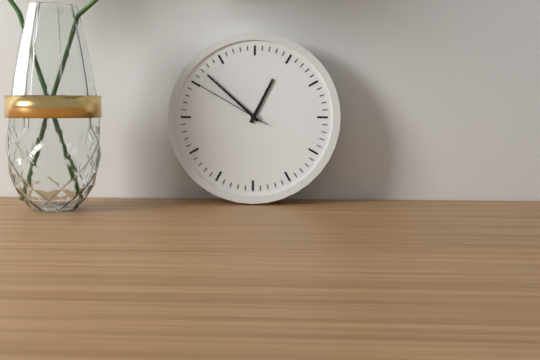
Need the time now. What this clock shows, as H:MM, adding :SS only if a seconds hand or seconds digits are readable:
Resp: 12:52:50
